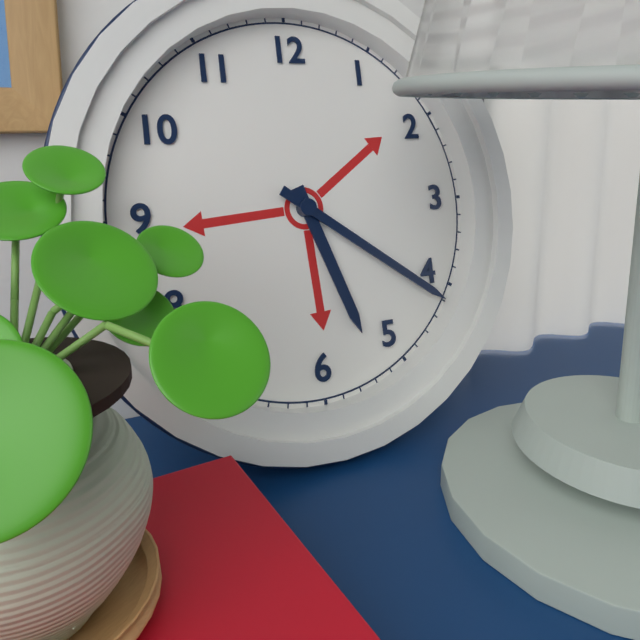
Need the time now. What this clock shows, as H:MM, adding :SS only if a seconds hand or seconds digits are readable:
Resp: 5:21
